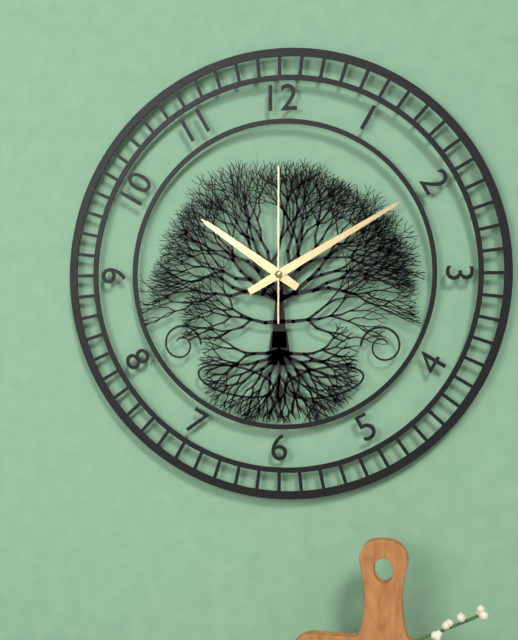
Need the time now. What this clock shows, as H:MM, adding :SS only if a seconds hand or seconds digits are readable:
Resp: 10:10:00
